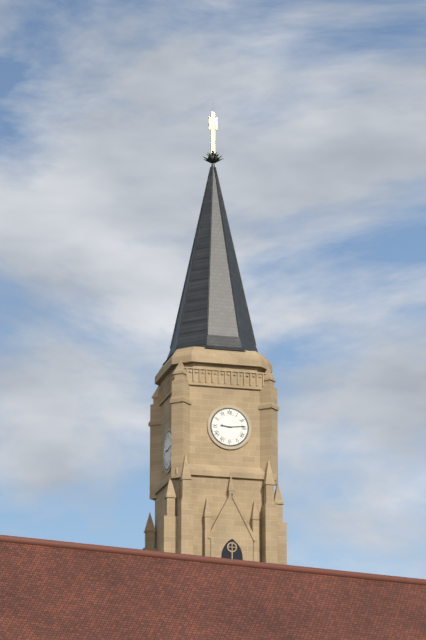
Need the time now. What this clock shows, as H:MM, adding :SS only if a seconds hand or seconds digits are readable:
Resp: 9:14
